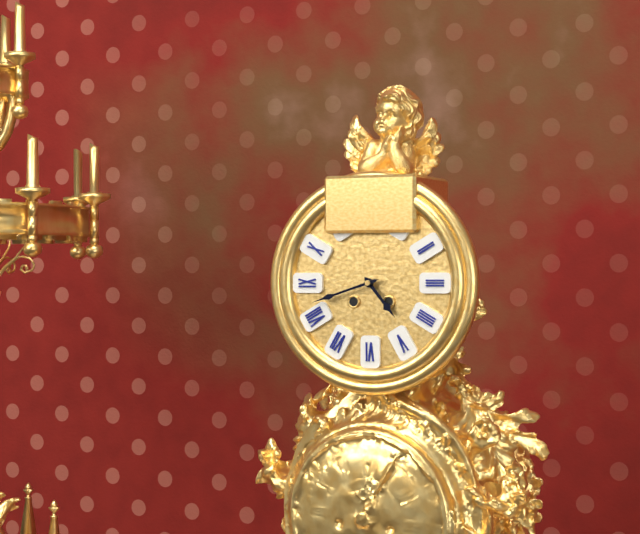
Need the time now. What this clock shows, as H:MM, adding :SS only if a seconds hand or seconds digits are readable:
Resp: 4:42
